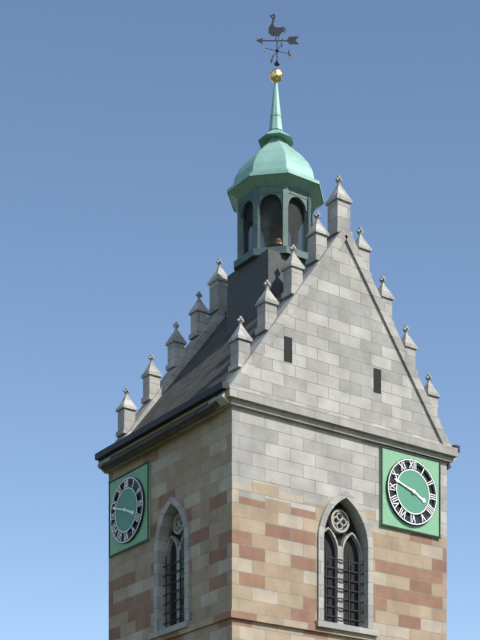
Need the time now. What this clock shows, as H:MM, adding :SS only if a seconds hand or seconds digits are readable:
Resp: 3:48
